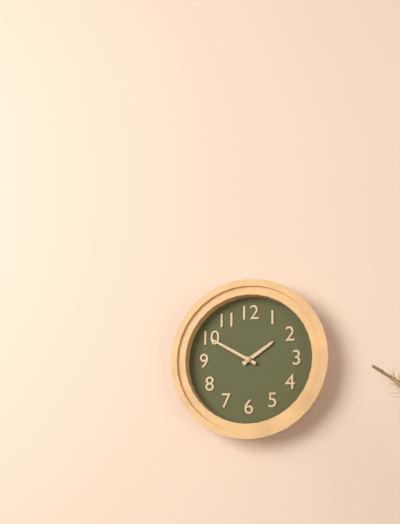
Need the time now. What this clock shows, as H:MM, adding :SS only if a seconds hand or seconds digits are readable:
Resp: 1:50
